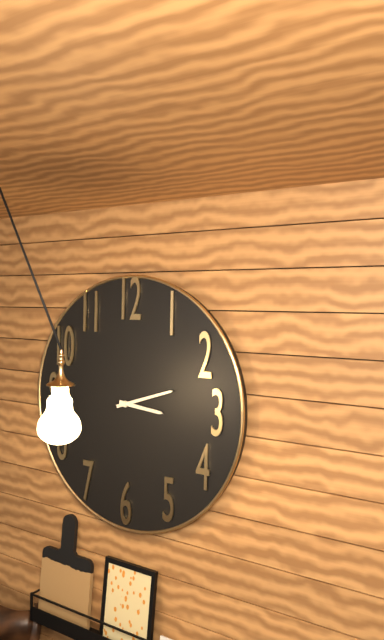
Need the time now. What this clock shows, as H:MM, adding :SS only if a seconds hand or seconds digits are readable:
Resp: 3:12
